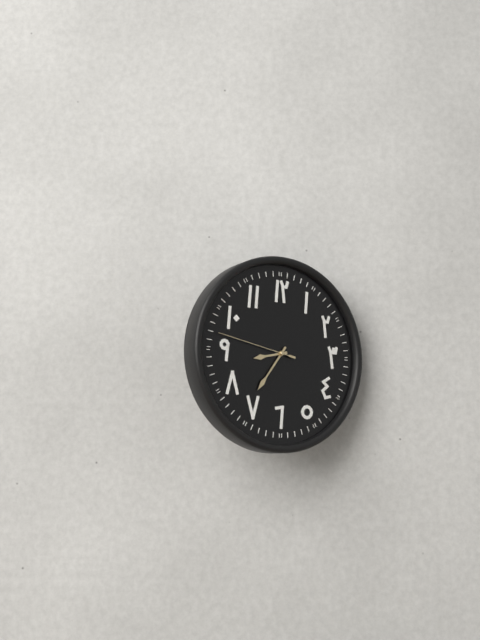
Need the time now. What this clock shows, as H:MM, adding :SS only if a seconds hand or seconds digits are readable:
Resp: 8:36:47
